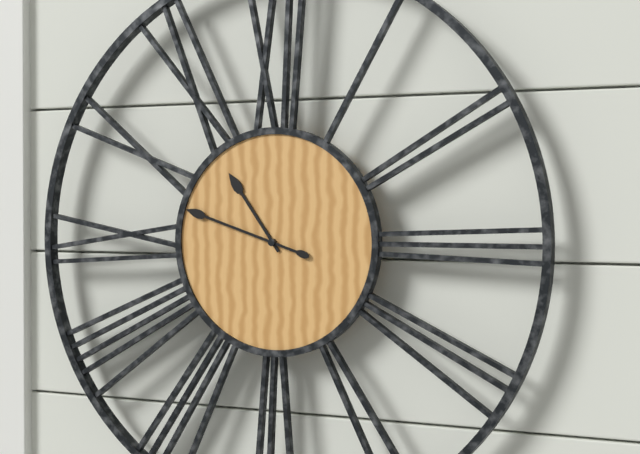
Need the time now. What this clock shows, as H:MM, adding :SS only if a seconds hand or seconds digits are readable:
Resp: 10:48
